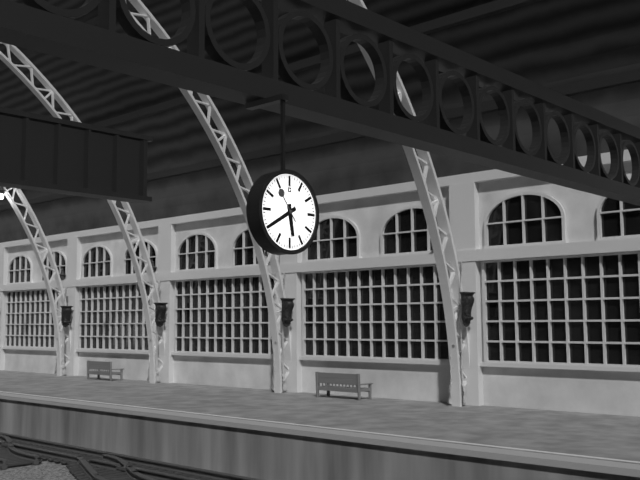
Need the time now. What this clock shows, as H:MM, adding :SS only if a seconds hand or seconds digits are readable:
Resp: 5:40
